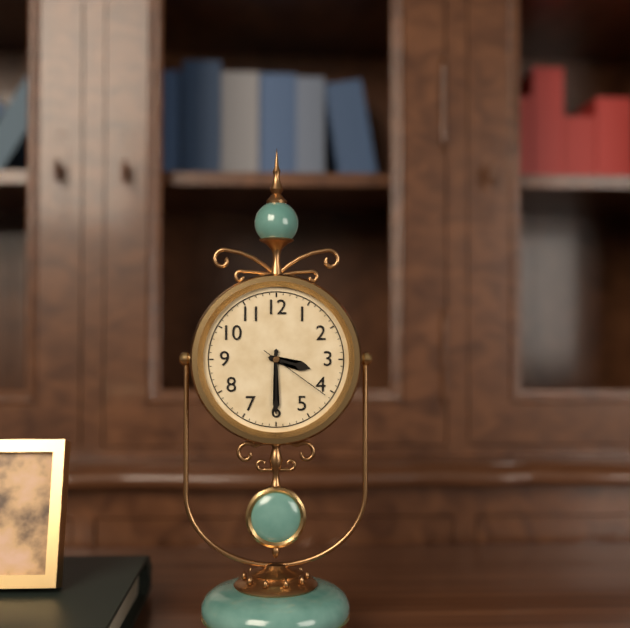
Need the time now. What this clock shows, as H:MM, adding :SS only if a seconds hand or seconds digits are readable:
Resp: 3:30:21
